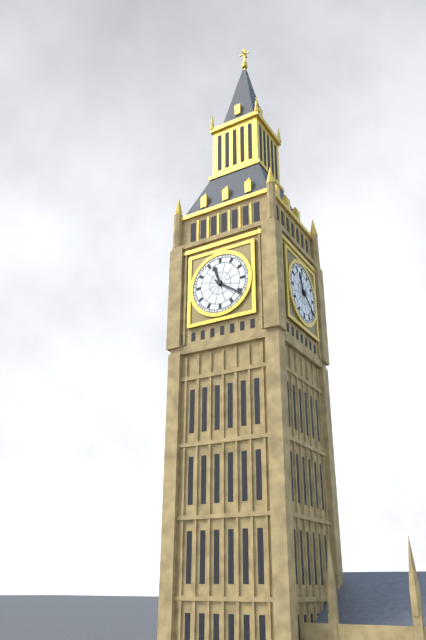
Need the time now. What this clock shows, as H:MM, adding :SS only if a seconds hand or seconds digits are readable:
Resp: 11:21
